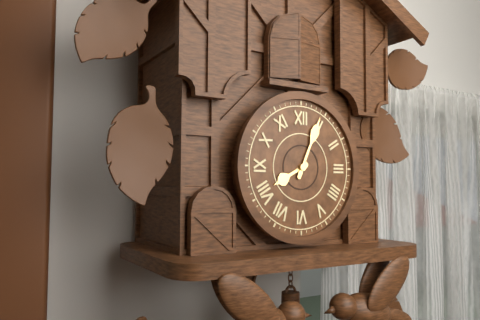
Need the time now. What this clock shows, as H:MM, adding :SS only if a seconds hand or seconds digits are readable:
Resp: 8:04
